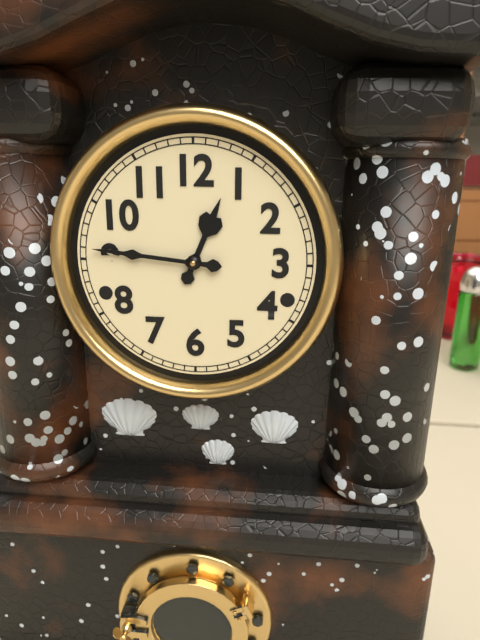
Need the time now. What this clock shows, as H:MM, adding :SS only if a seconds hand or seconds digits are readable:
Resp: 12:46
